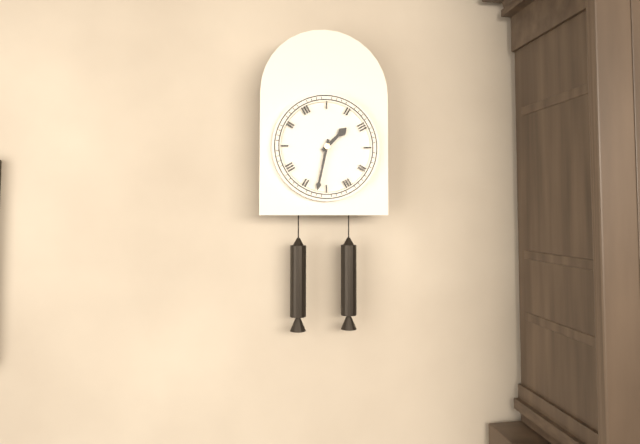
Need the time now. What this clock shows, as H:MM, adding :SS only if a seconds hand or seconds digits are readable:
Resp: 1:32
